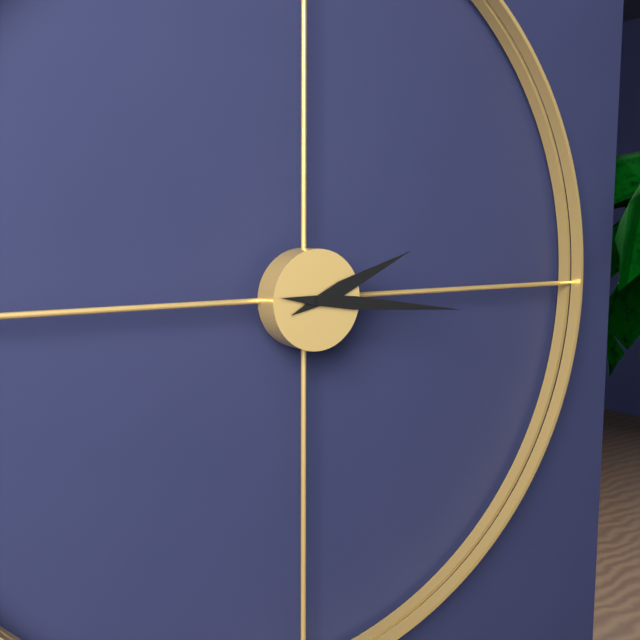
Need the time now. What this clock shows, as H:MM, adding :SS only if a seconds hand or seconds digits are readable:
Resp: 2:16
